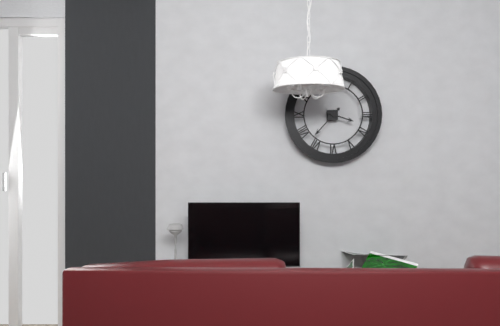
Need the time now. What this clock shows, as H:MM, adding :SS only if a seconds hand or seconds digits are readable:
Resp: 3:37
